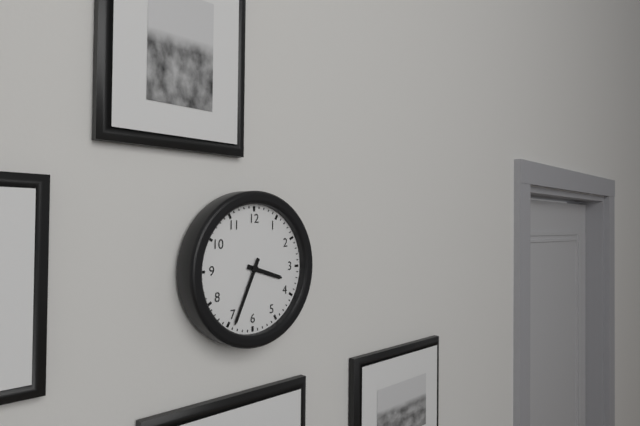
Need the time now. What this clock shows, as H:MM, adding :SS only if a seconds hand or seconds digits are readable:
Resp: 3:34
